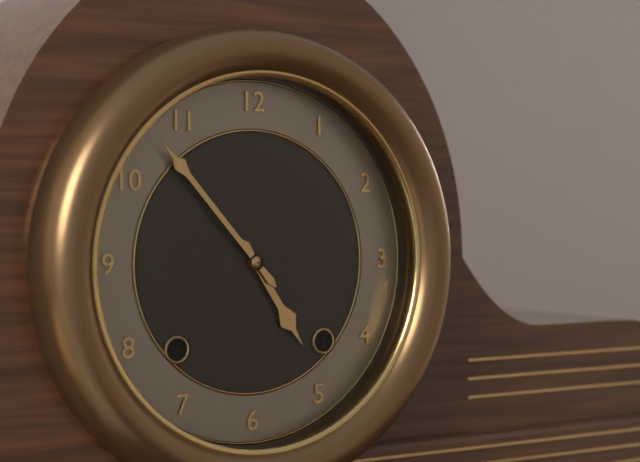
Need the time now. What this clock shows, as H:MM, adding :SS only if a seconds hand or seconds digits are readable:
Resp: 4:53
